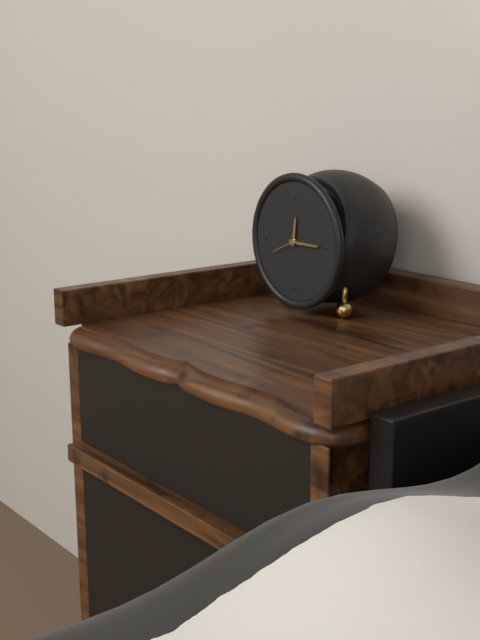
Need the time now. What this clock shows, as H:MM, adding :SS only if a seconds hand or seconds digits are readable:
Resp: 12:15
